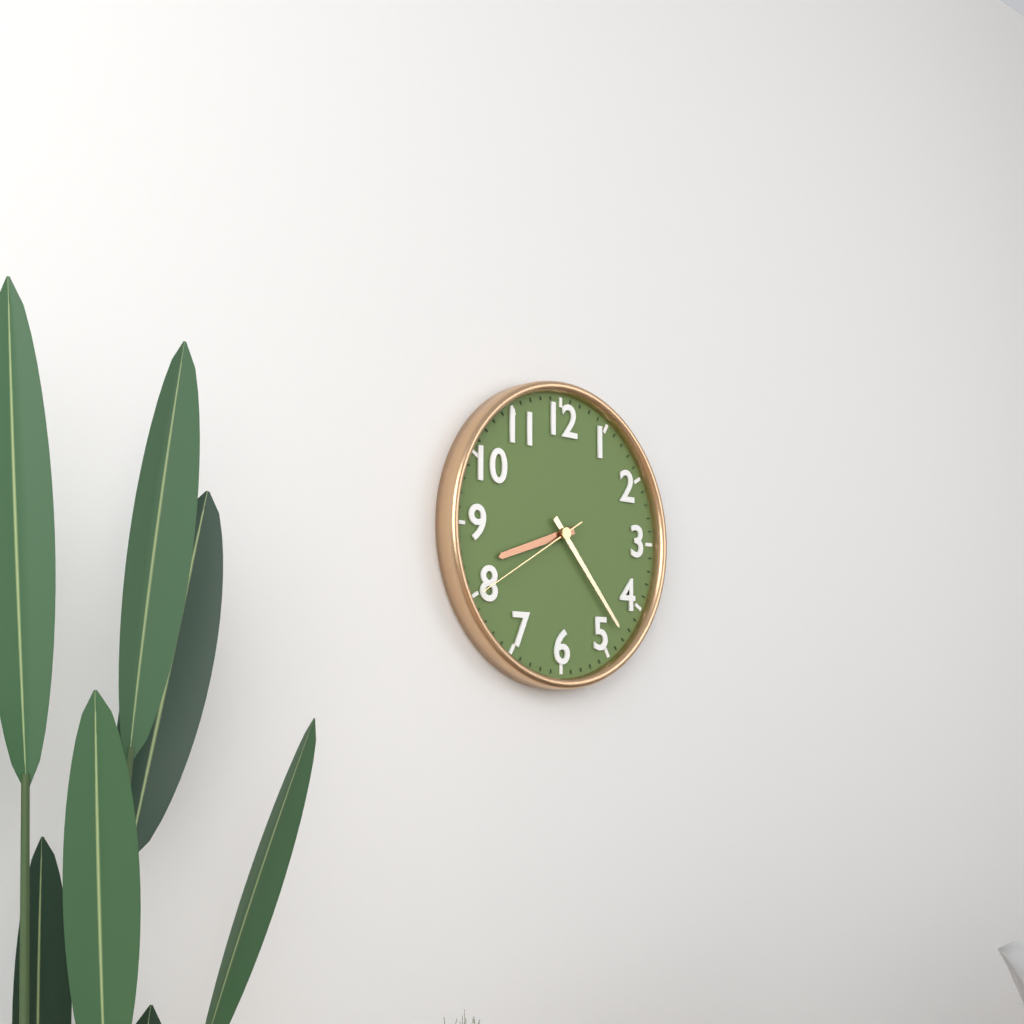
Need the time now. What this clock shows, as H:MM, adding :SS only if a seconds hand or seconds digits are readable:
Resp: 8:23:40
